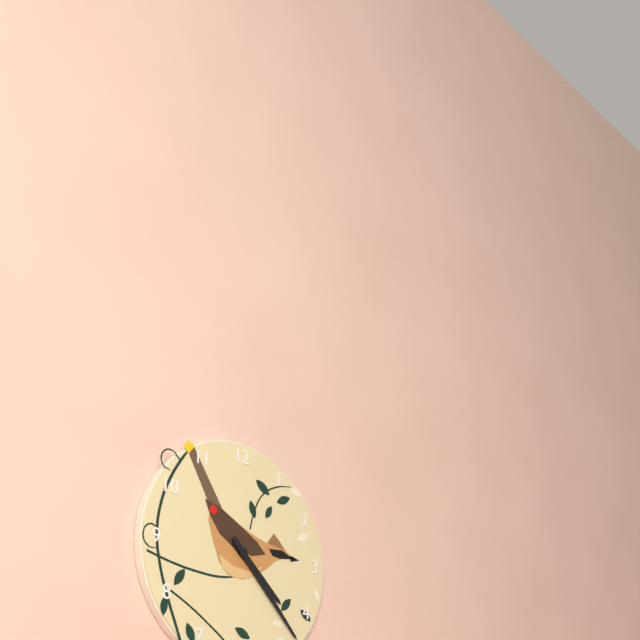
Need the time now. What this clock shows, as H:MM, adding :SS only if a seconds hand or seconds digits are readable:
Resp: 4:23
